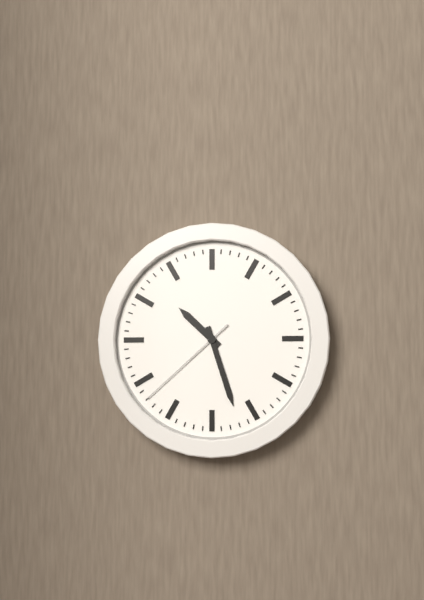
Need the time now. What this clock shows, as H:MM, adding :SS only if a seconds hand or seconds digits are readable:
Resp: 10:27:38
